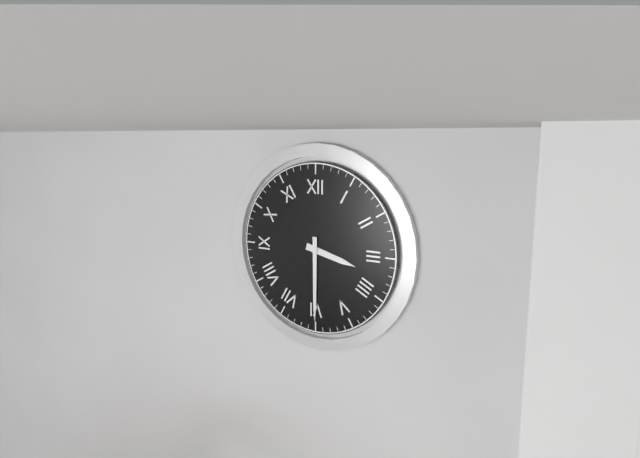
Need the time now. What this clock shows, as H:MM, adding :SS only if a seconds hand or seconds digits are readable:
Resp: 3:30
